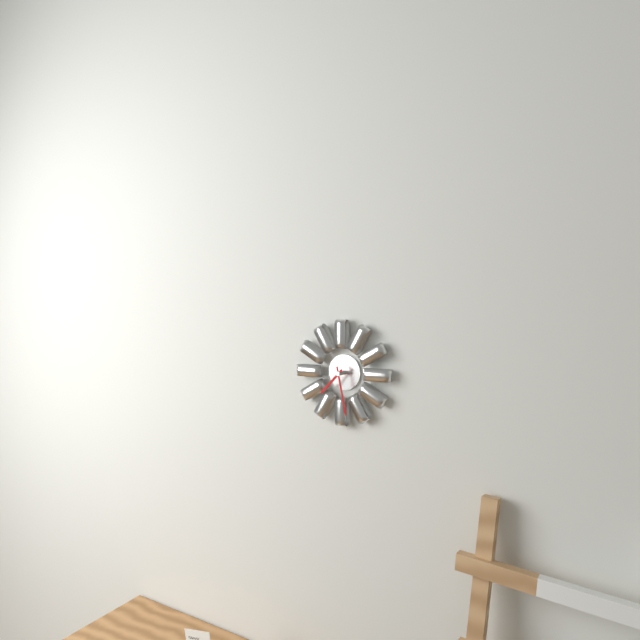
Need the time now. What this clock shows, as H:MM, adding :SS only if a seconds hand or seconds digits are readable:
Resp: 7:28
